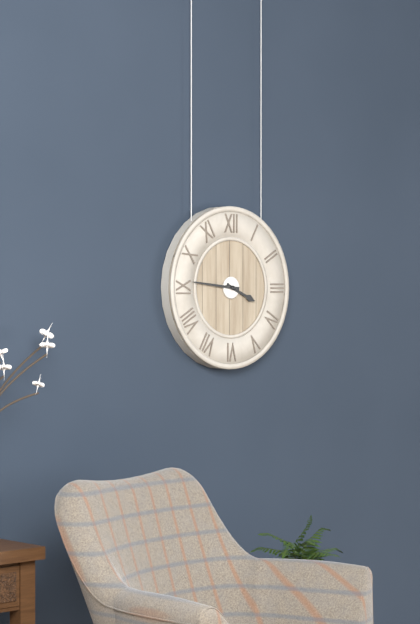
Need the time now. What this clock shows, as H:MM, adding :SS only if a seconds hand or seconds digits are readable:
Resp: 3:46
